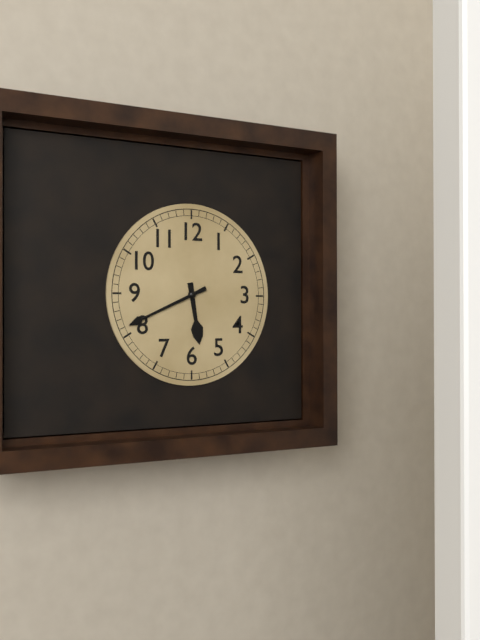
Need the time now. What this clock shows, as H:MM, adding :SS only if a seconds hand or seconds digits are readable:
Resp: 5:41
